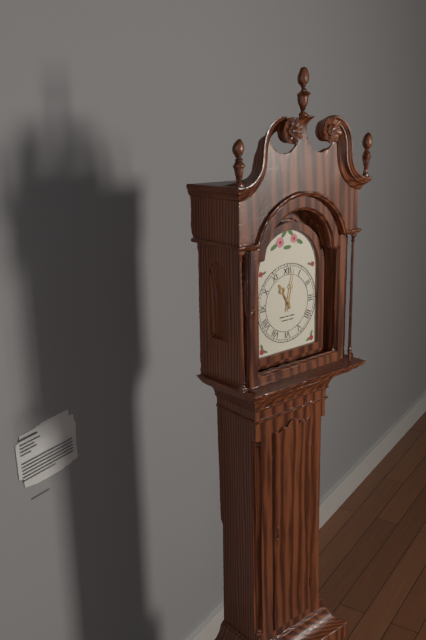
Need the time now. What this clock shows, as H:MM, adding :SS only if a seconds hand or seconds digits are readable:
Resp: 11:02
